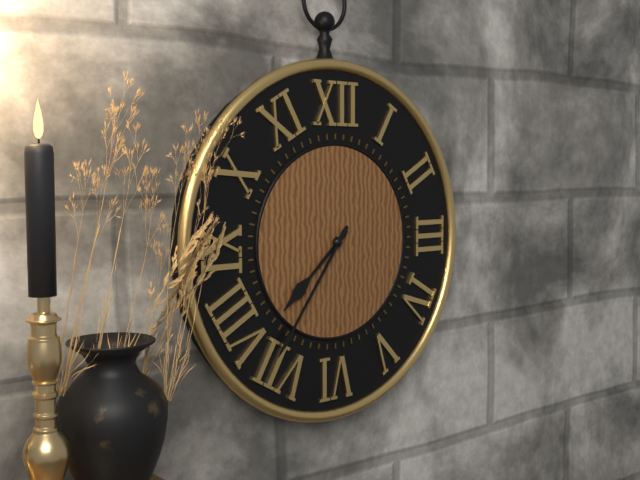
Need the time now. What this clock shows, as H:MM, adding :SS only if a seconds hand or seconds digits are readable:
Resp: 7:36
